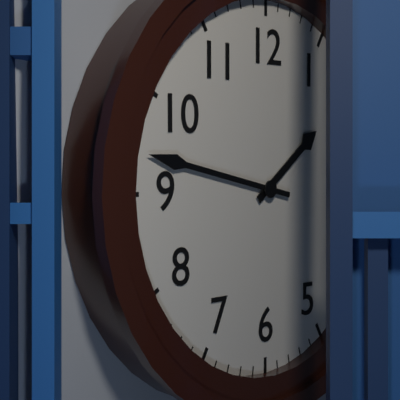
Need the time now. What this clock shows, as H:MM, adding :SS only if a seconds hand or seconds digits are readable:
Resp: 1:47
